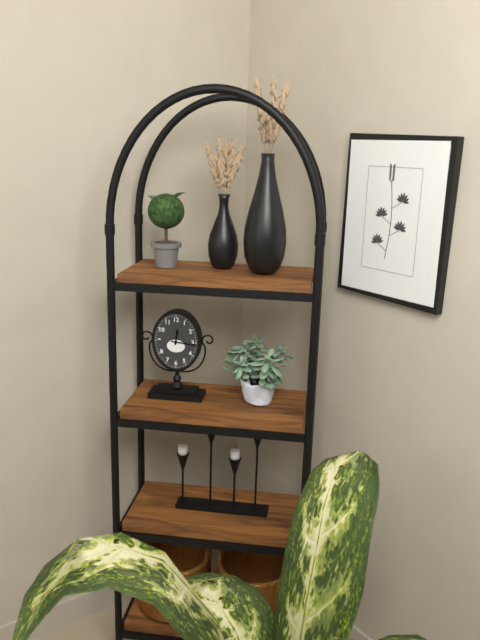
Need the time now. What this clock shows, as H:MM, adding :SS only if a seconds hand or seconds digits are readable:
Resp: 12:16
